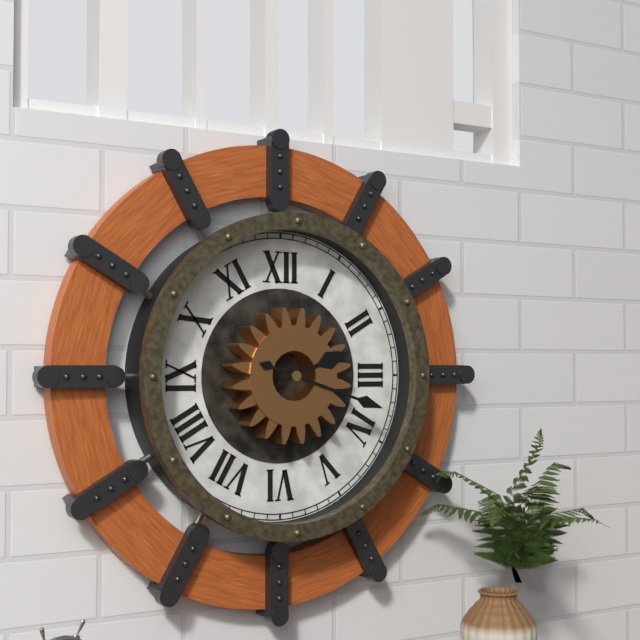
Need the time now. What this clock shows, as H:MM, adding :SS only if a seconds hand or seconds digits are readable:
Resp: 2:18
